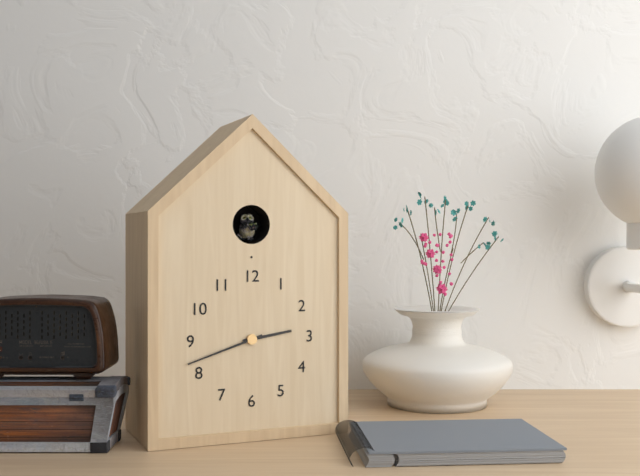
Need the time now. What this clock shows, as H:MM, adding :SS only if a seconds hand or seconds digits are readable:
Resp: 2:42
